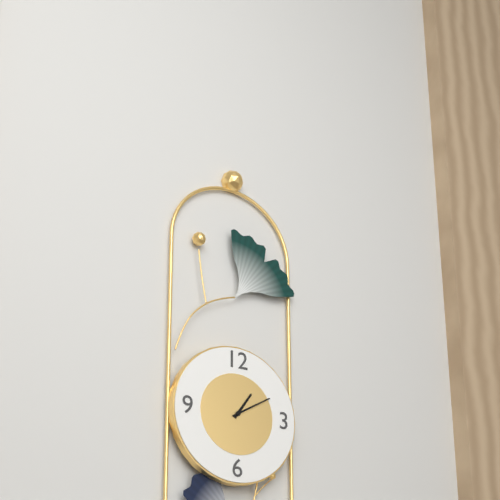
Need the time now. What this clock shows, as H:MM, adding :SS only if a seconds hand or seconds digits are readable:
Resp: 1:10
